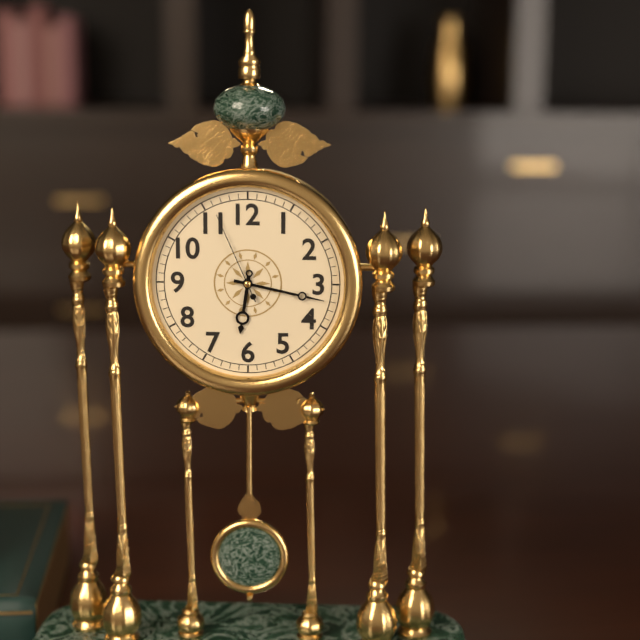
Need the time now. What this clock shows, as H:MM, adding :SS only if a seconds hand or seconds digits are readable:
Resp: 6:17:56
